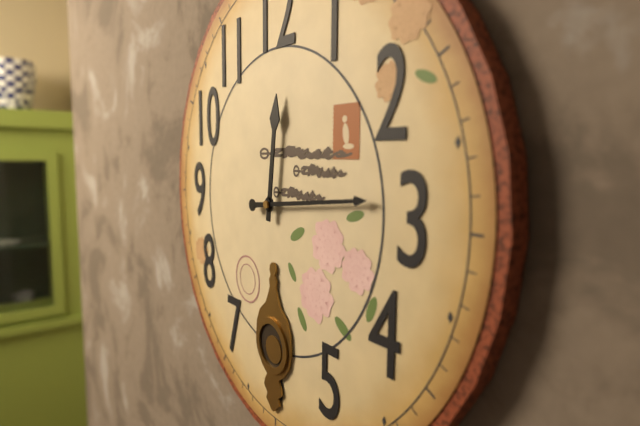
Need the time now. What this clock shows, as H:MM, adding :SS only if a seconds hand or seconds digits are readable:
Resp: 12:14
